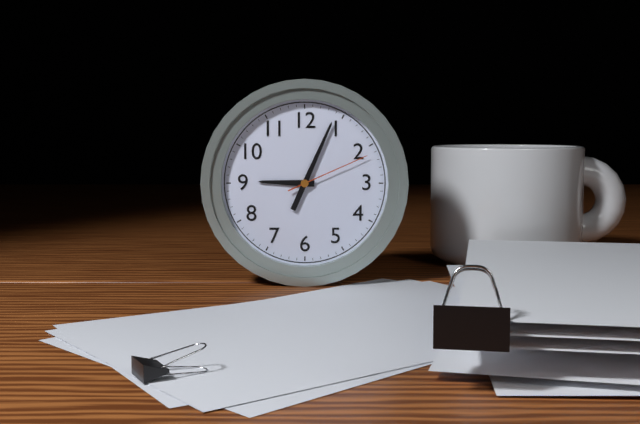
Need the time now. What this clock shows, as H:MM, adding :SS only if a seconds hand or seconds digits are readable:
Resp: 9:04:11
